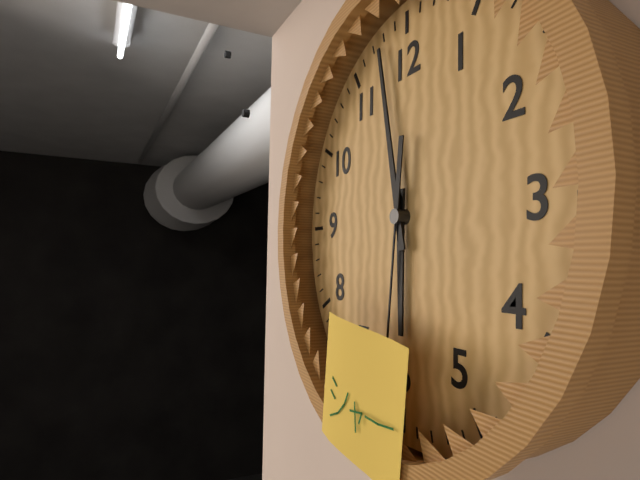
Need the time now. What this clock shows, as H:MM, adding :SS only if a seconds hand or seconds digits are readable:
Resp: 5:58
